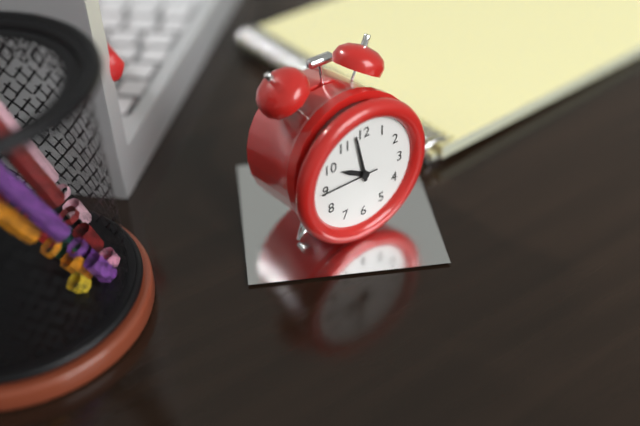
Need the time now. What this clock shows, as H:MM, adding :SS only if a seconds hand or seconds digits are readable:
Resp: 9:58:45
